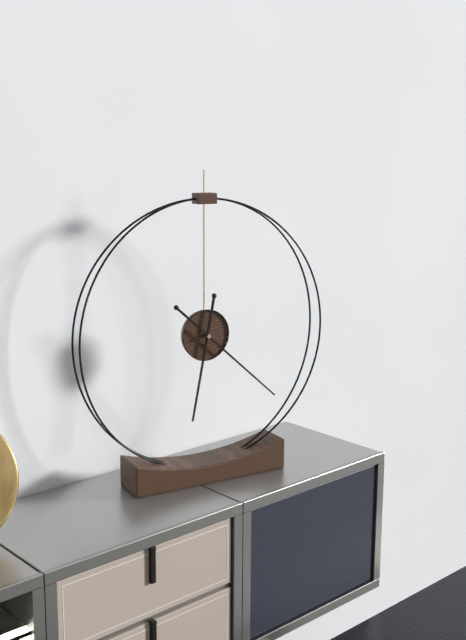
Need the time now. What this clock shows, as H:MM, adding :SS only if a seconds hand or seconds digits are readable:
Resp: 6:22
